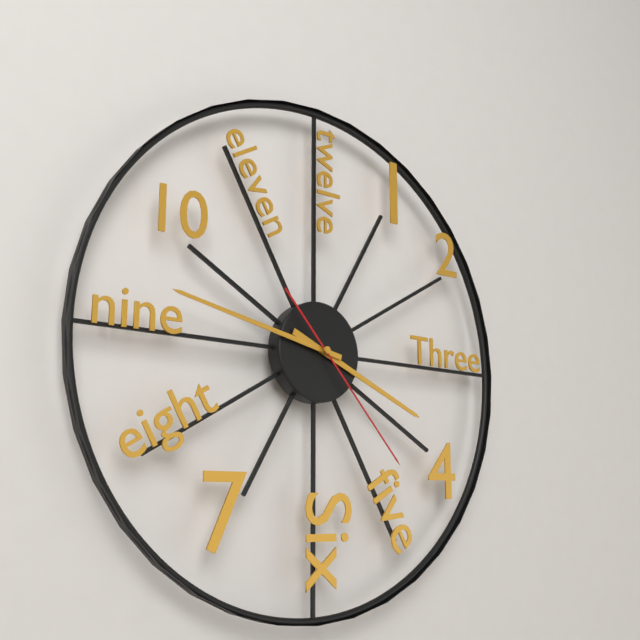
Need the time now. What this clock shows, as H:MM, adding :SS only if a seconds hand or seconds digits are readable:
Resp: 3:47:23
